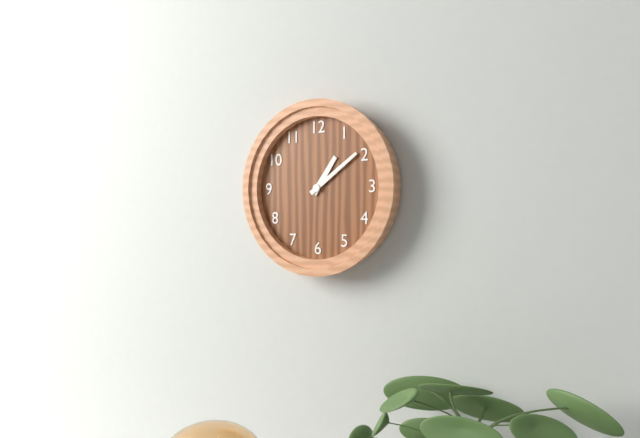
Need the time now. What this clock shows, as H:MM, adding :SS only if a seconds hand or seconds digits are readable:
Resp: 1:09
